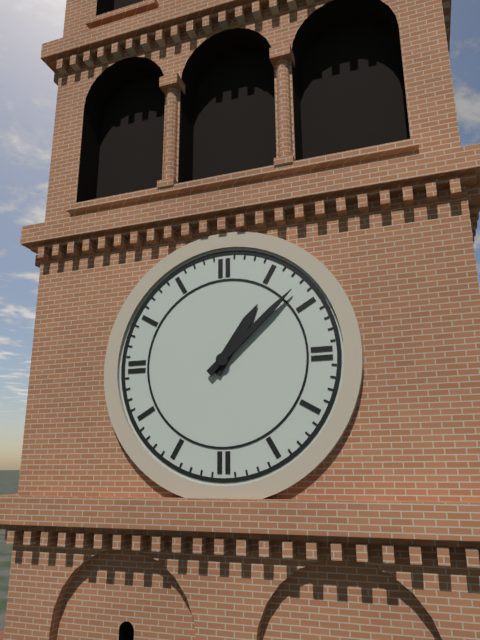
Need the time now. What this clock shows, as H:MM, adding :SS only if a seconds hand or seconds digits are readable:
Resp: 1:08
